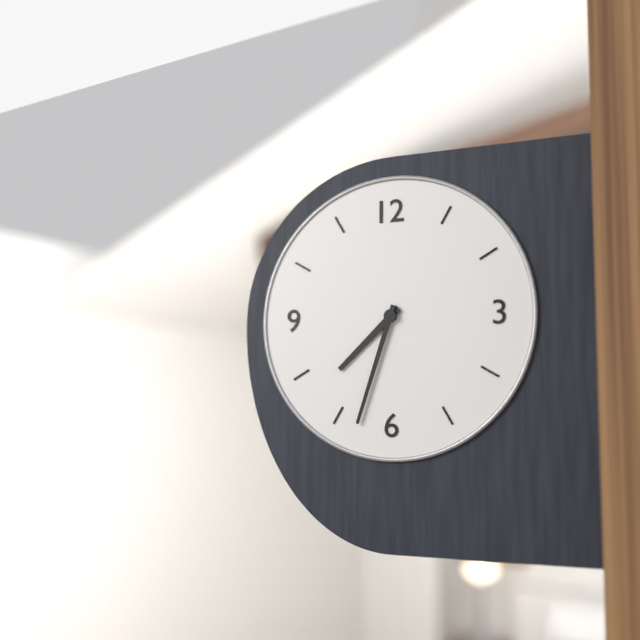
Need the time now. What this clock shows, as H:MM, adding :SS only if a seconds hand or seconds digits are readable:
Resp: 7:33
